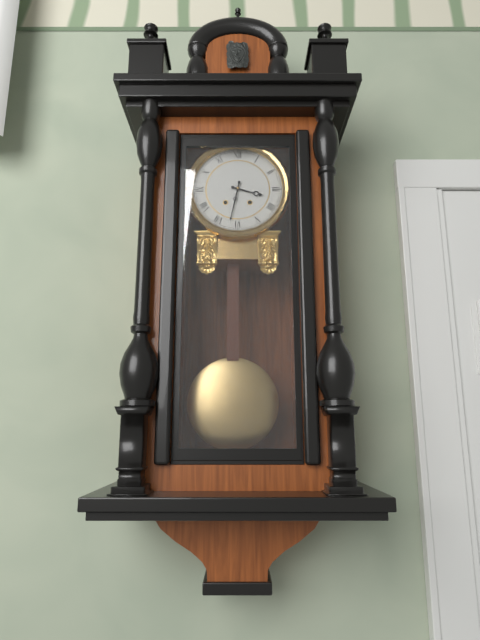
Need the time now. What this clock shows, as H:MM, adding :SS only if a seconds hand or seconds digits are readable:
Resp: 3:32
